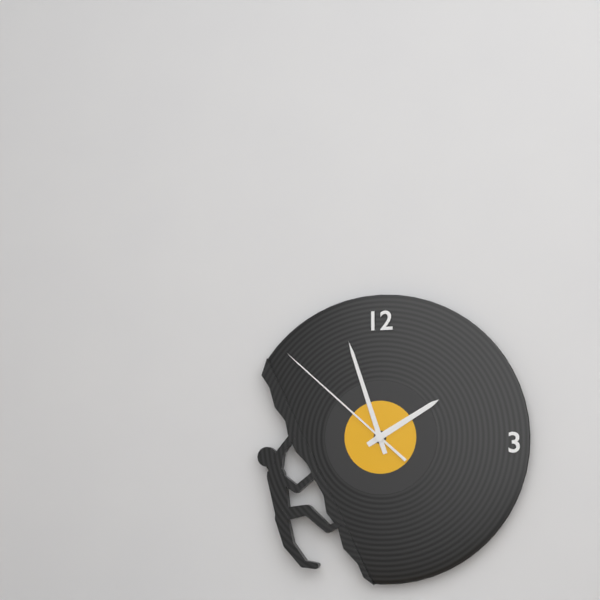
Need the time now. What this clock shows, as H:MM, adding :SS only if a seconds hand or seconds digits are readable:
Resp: 1:57:52
